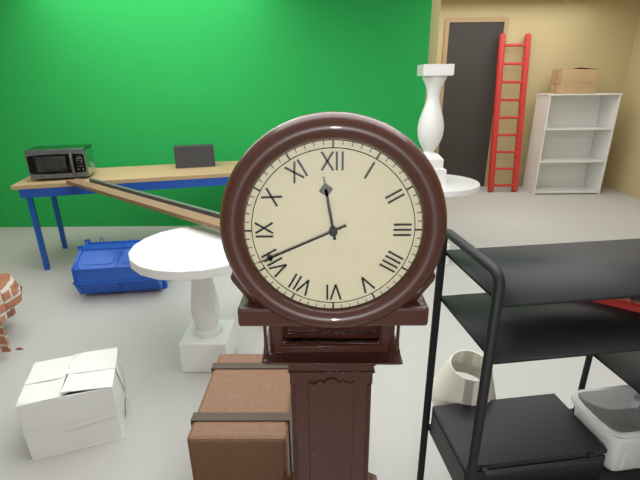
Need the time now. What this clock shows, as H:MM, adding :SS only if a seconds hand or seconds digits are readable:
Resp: 11:41
